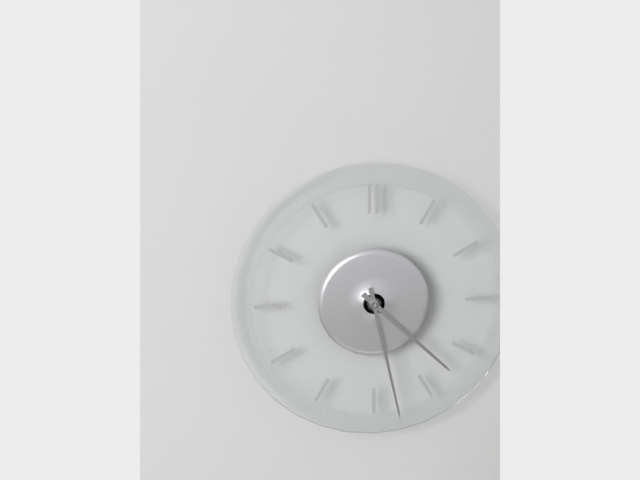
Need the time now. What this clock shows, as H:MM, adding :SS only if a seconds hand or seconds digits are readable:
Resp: 4:28
